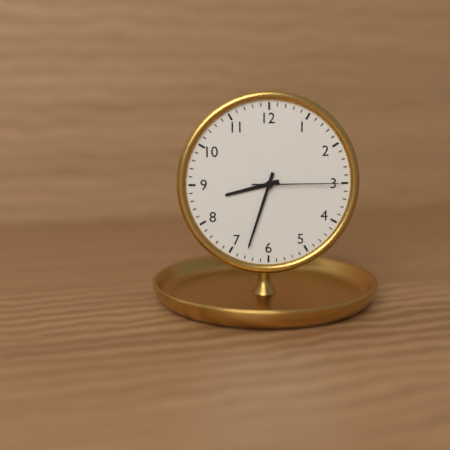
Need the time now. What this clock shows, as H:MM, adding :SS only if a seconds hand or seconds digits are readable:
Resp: 8:33:15
